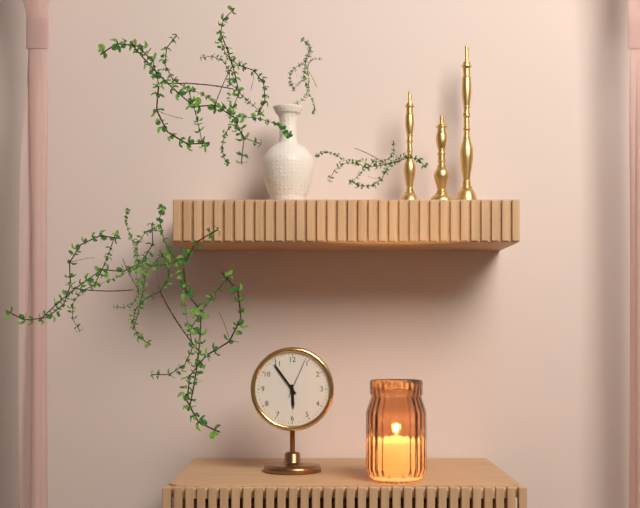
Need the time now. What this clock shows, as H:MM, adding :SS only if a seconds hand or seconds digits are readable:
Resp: 5:54
